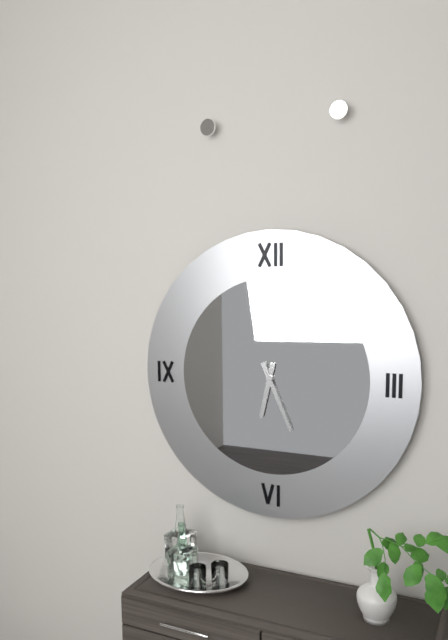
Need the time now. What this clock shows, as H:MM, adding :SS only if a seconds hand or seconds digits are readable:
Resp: 6:26
